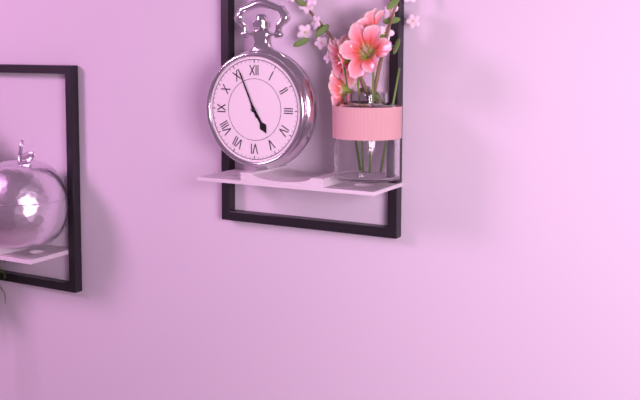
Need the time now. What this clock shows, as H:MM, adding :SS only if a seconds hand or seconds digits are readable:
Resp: 4:56
